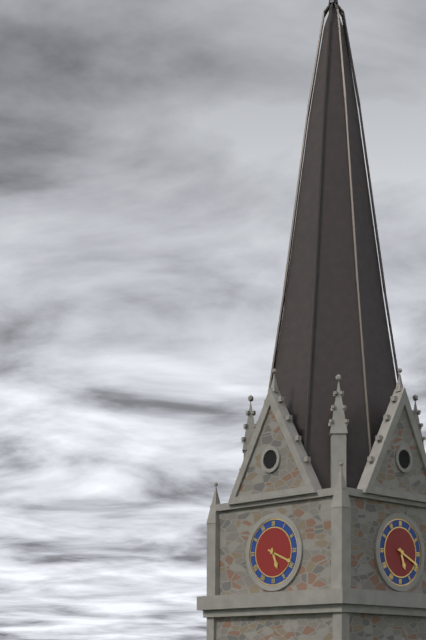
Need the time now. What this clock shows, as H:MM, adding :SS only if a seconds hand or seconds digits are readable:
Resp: 5:19
